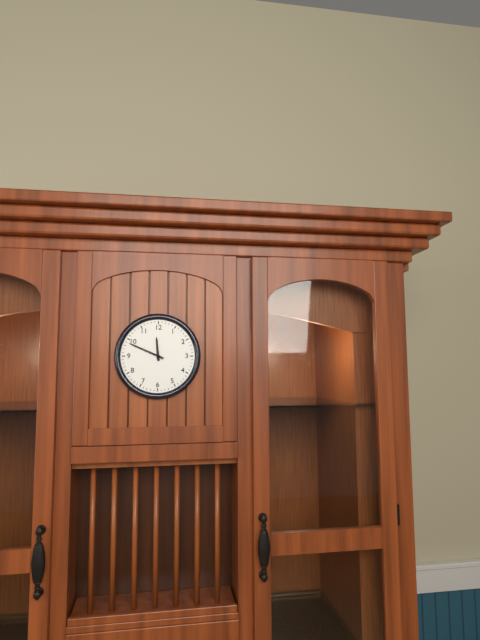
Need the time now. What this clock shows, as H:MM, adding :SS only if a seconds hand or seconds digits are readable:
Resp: 11:49
